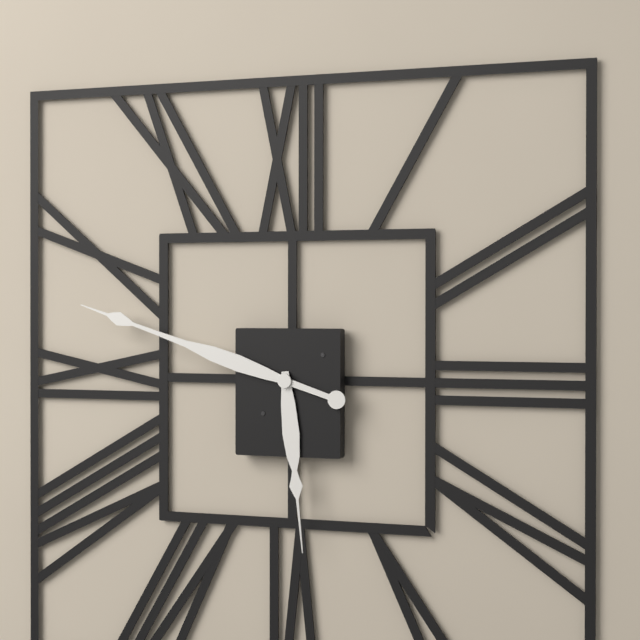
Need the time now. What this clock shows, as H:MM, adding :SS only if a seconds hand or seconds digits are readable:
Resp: 5:48
